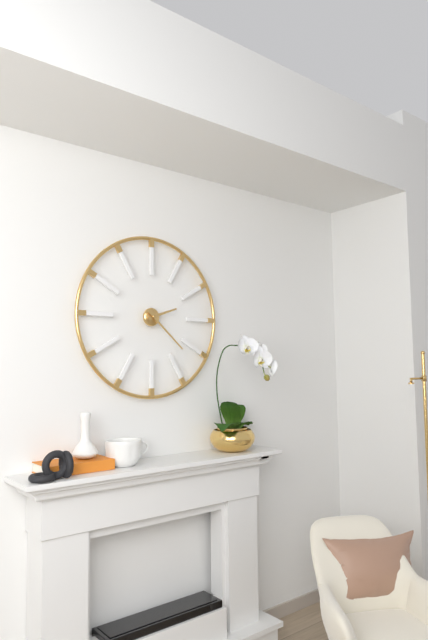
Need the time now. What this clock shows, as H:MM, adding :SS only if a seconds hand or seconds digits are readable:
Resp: 2:22
